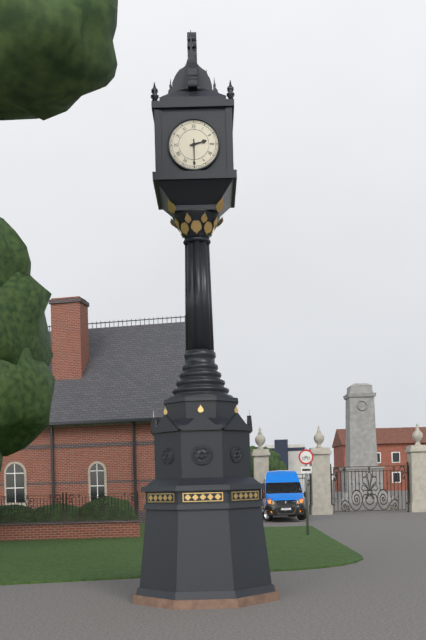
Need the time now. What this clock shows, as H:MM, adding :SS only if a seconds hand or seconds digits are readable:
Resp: 2:30
